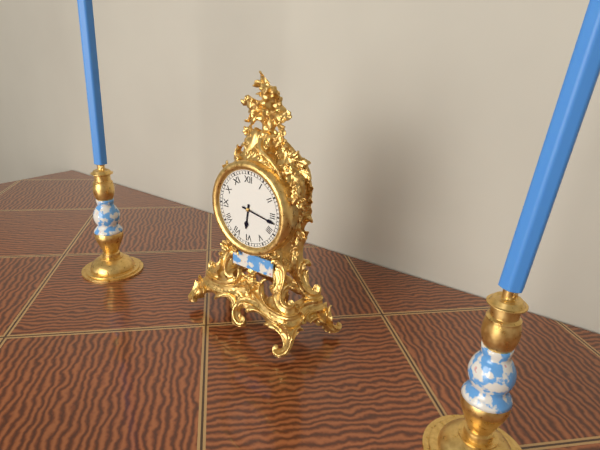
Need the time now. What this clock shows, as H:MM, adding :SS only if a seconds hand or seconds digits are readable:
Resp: 6:17
